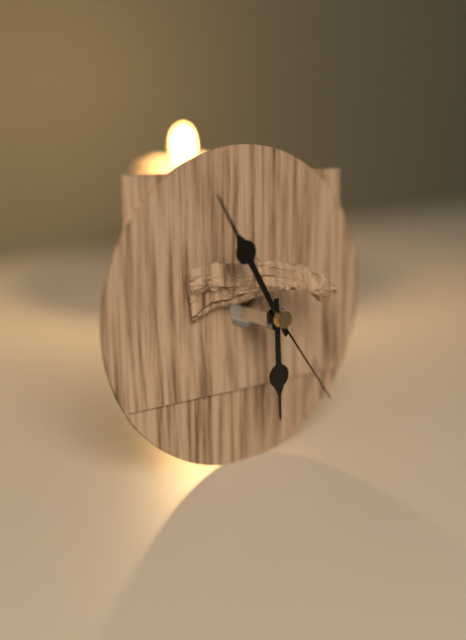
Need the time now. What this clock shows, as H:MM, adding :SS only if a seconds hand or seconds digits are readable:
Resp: 5:55:24
